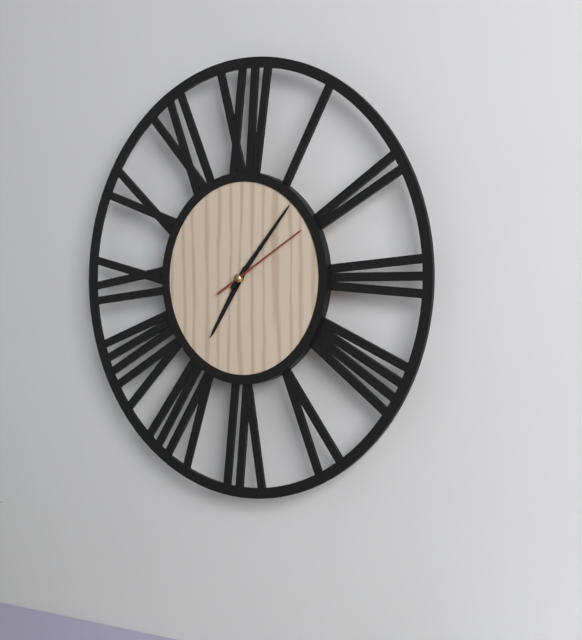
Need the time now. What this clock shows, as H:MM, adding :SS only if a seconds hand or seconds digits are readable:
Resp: 7:07:10
